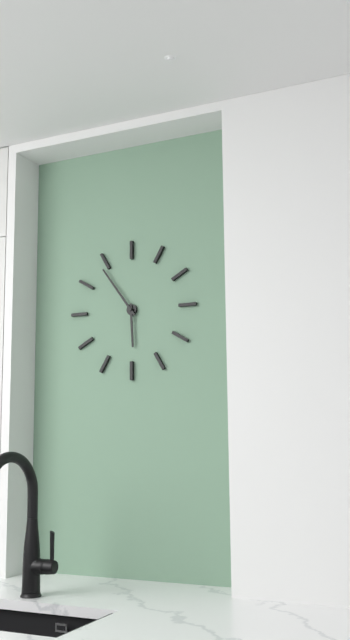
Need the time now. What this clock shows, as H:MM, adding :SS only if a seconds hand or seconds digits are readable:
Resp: 5:54
